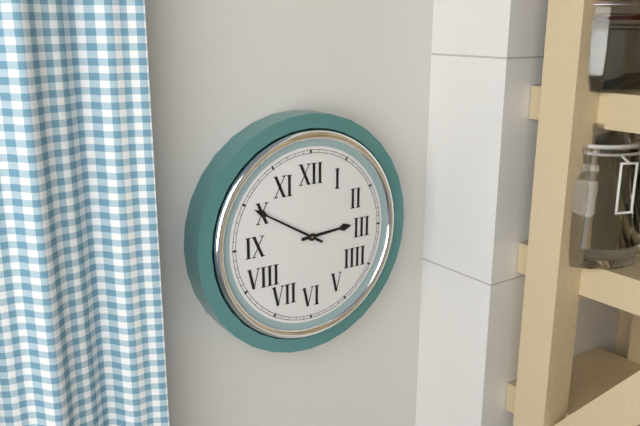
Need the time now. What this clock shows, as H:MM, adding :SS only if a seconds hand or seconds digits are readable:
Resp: 2:50
